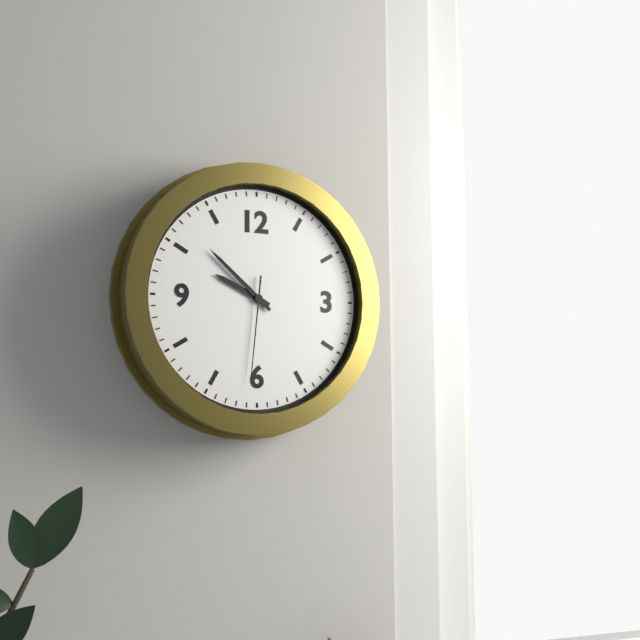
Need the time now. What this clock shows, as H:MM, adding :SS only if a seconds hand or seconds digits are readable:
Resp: 9:52:31
